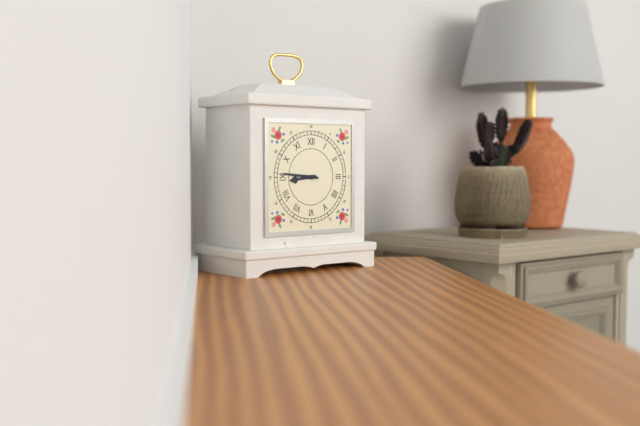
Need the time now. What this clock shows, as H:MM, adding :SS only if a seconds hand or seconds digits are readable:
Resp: 8:46
